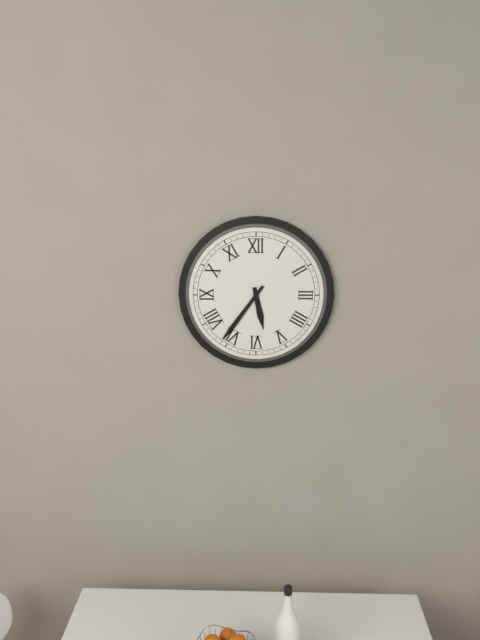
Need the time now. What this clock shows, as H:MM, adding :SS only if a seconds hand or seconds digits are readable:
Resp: 5:36
